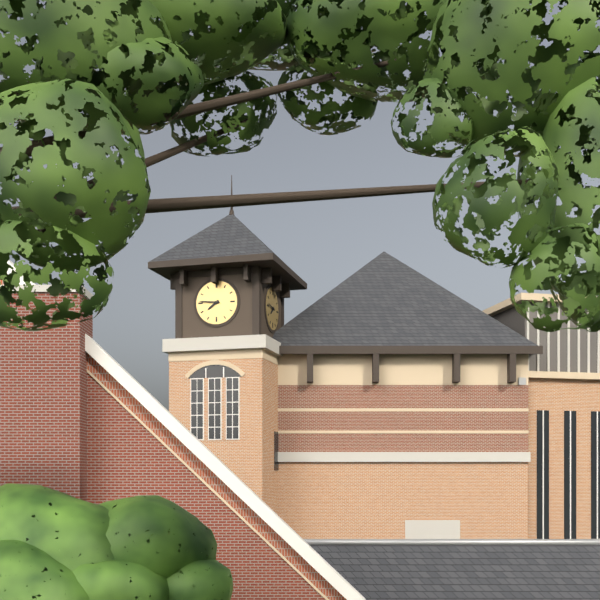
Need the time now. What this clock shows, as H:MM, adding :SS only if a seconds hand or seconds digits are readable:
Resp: 7:46
